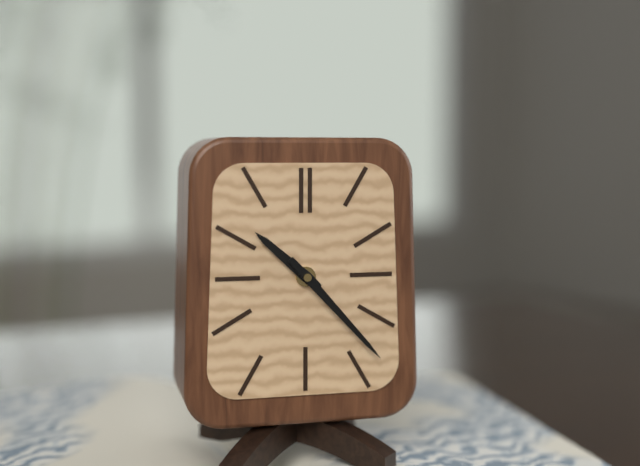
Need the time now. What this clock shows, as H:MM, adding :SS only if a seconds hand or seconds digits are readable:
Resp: 10:23
